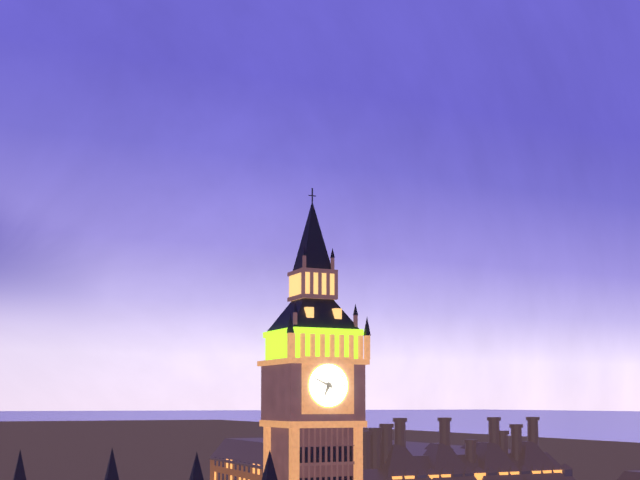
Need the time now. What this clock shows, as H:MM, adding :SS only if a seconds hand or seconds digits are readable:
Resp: 6:49
